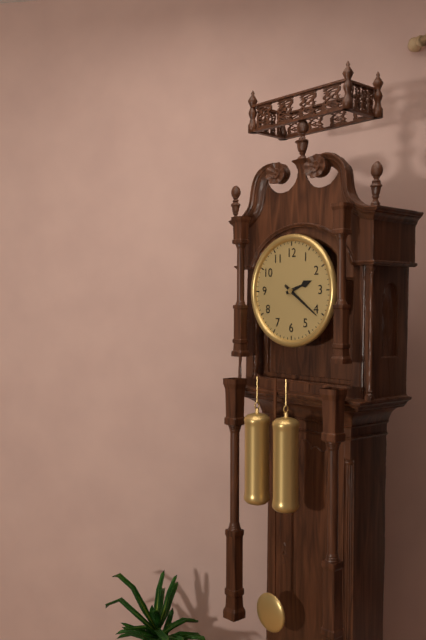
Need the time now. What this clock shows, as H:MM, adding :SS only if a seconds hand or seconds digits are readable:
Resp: 2:21
